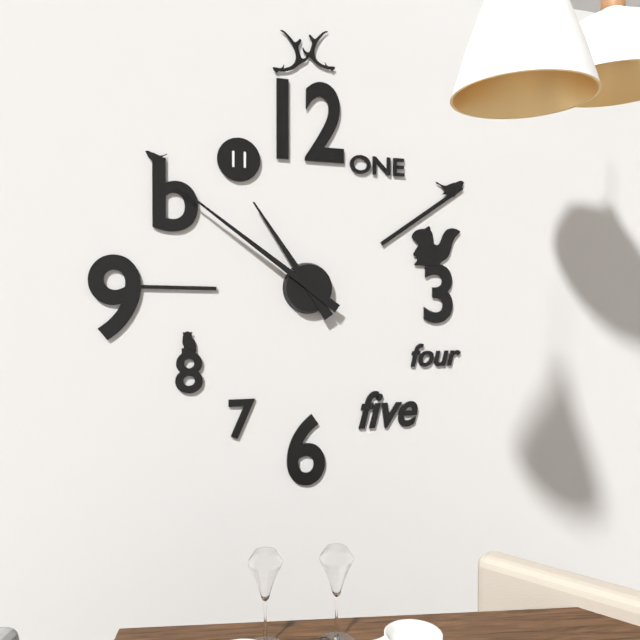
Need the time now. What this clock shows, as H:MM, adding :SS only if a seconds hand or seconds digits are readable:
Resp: 10:51
